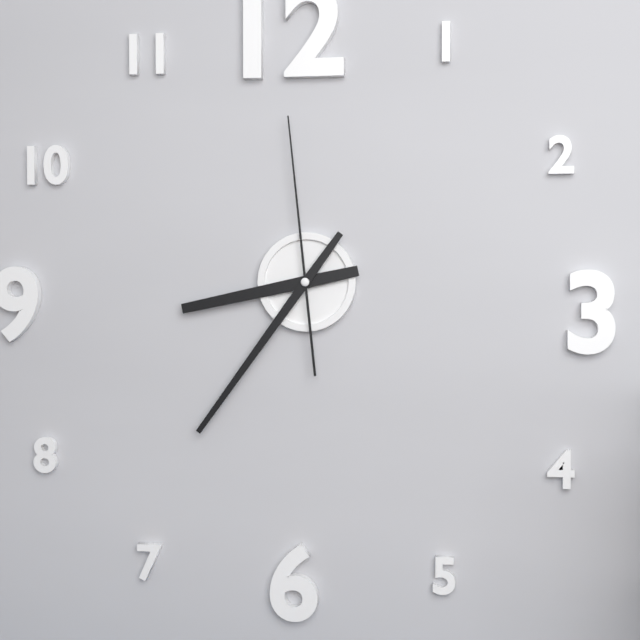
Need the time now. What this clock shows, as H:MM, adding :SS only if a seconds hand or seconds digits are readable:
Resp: 8:36:59
